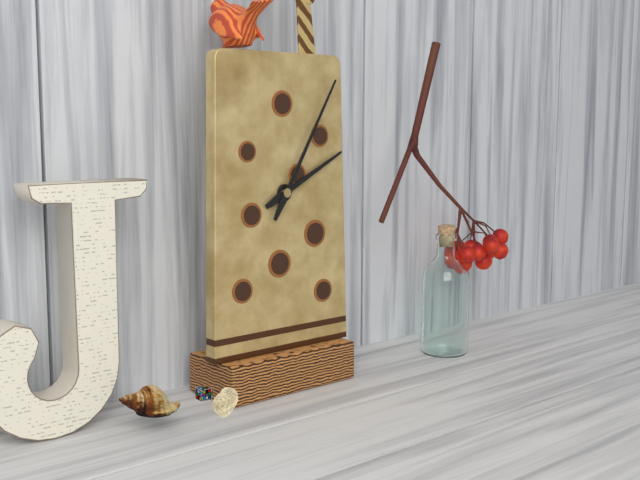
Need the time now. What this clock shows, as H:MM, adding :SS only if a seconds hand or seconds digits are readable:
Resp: 2:05
